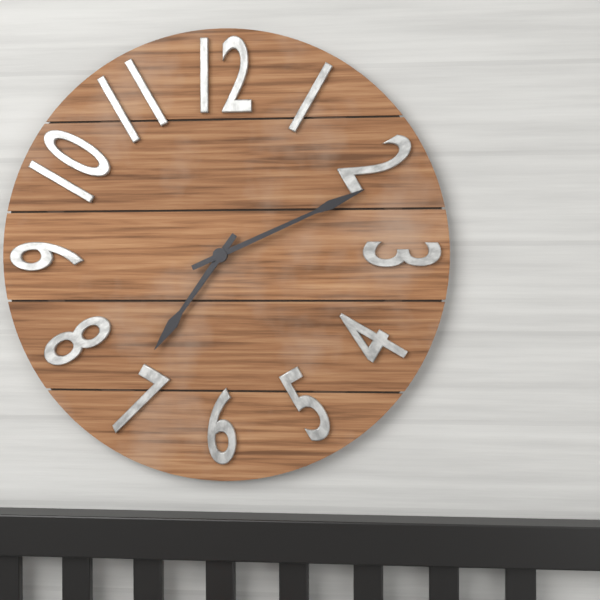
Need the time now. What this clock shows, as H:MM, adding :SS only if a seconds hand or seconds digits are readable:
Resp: 7:11
